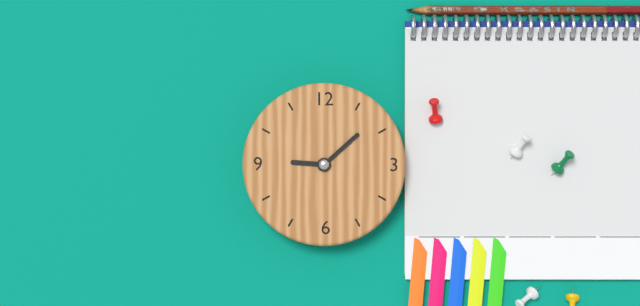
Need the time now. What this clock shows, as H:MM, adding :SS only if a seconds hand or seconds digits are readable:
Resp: 9:08
